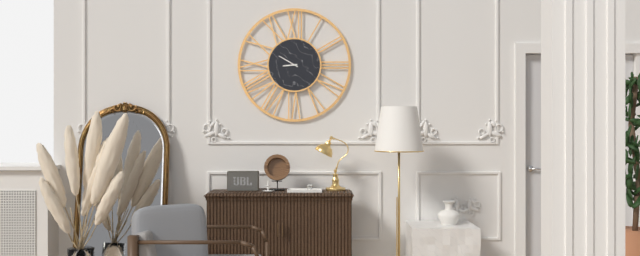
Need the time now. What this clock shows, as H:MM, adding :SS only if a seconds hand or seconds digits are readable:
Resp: 8:50
